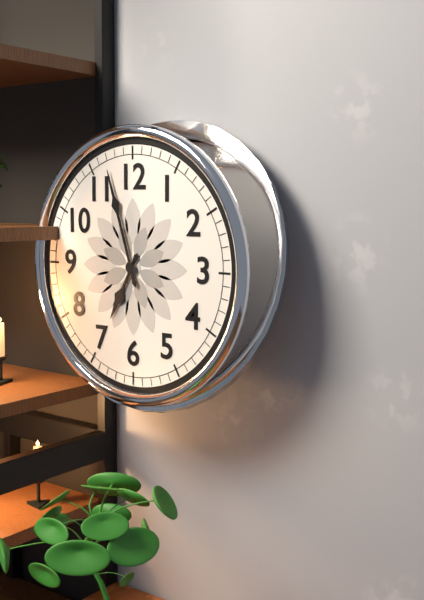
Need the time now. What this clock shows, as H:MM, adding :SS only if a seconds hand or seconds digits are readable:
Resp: 6:57
